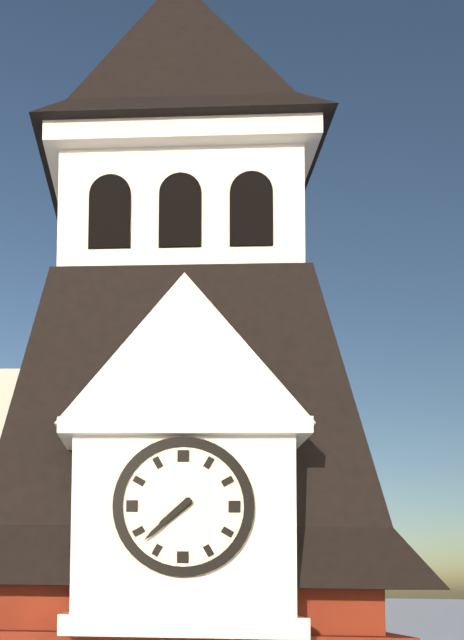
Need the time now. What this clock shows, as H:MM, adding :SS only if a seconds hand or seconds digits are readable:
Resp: 7:38
